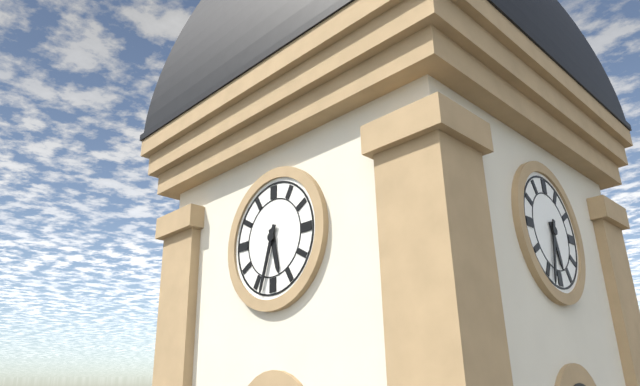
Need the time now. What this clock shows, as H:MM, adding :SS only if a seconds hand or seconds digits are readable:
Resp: 5:33
